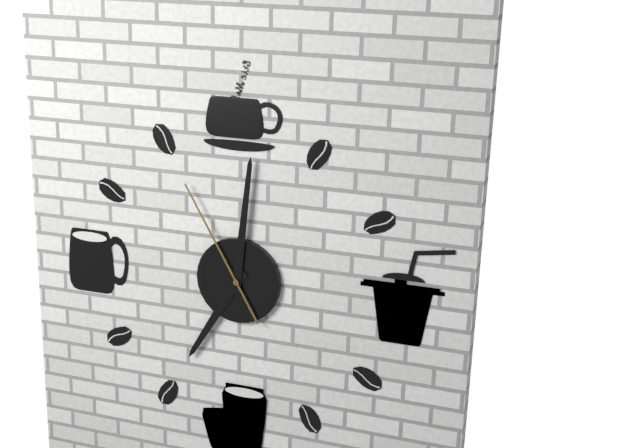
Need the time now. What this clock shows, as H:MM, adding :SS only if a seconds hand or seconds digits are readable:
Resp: 7:01:55
